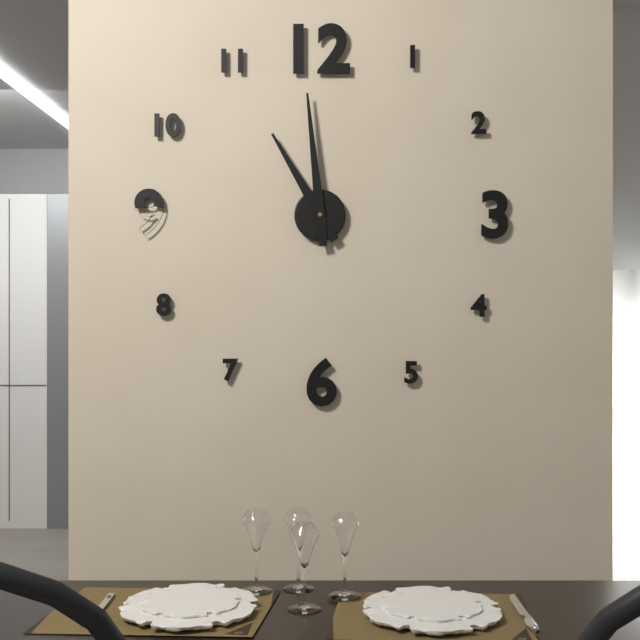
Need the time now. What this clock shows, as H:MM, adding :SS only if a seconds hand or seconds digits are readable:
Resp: 10:59
